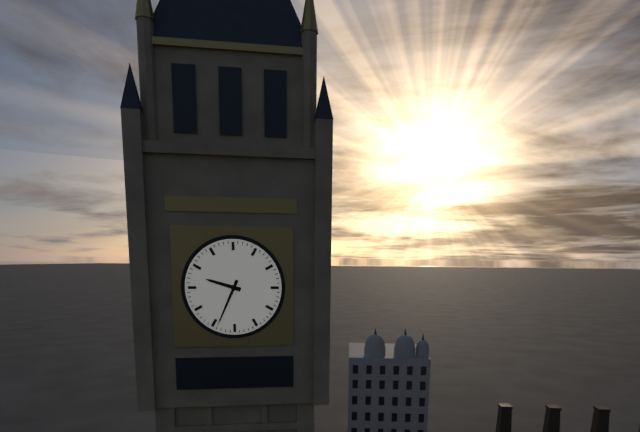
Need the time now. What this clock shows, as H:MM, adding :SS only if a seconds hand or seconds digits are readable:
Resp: 9:34
